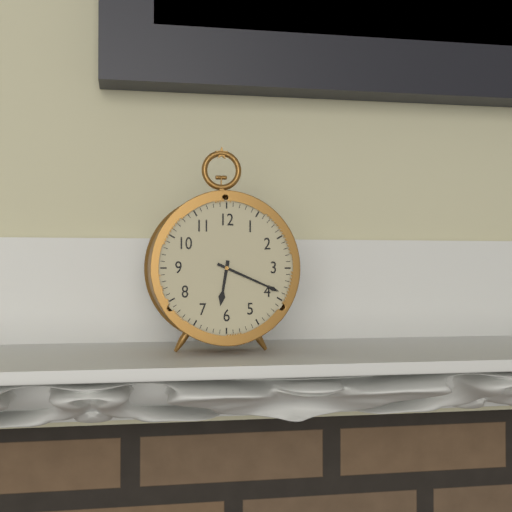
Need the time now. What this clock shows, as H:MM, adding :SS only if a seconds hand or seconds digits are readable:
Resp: 6:19
